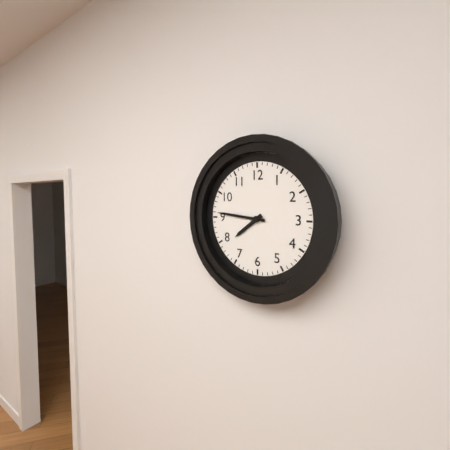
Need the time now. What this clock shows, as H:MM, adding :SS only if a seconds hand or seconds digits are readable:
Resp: 7:46
